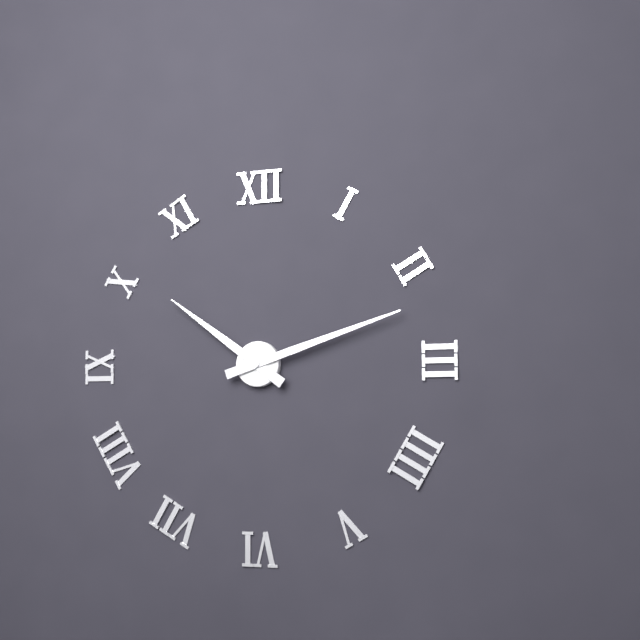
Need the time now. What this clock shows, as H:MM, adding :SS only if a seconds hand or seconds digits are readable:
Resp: 10:12
